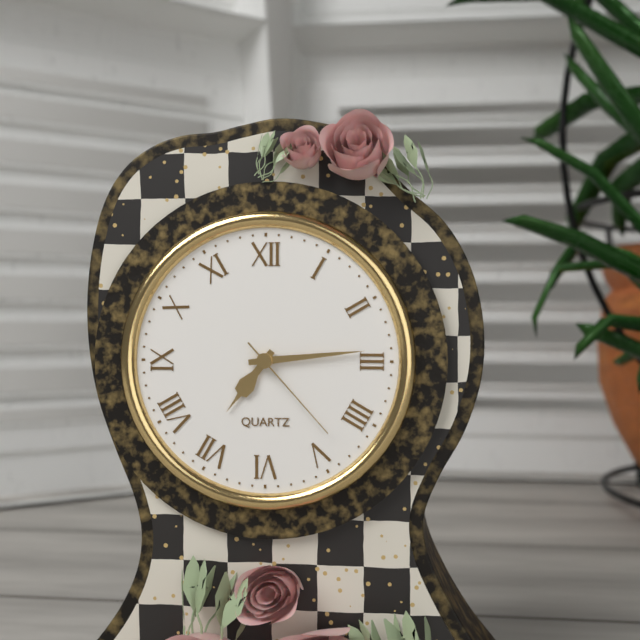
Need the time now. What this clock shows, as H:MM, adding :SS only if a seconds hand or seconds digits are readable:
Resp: 7:14:23
